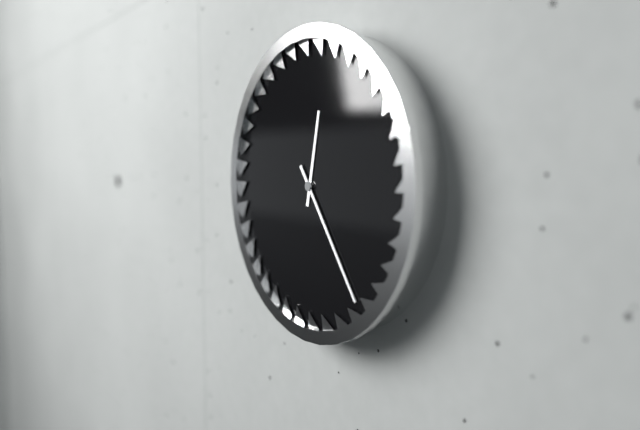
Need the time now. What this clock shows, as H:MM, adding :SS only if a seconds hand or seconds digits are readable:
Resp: 12:24
